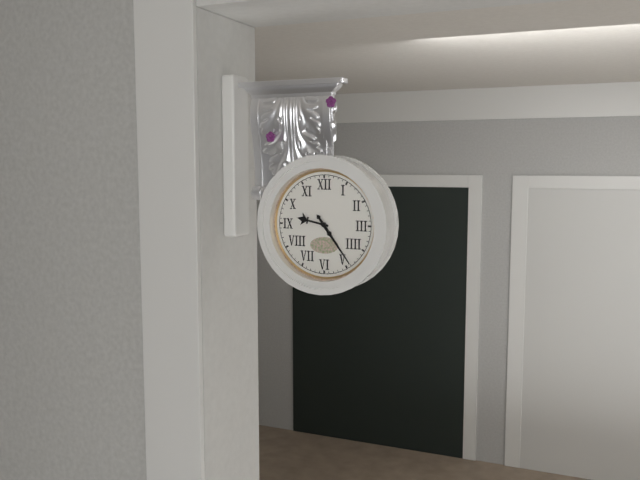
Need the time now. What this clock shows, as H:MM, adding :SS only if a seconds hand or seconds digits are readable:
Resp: 9:24
